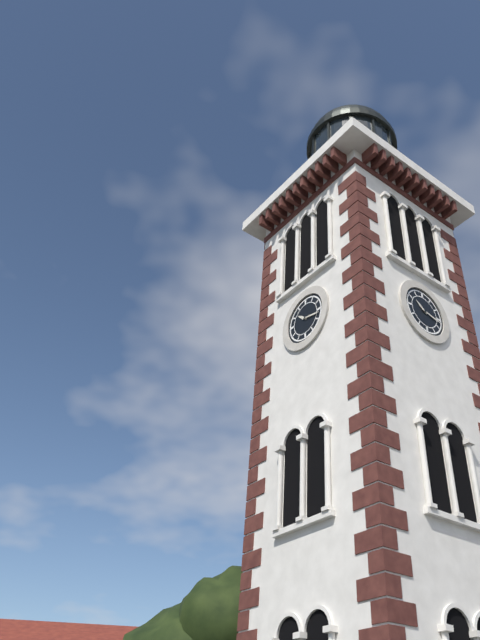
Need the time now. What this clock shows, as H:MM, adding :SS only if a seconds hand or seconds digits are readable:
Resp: 10:17
